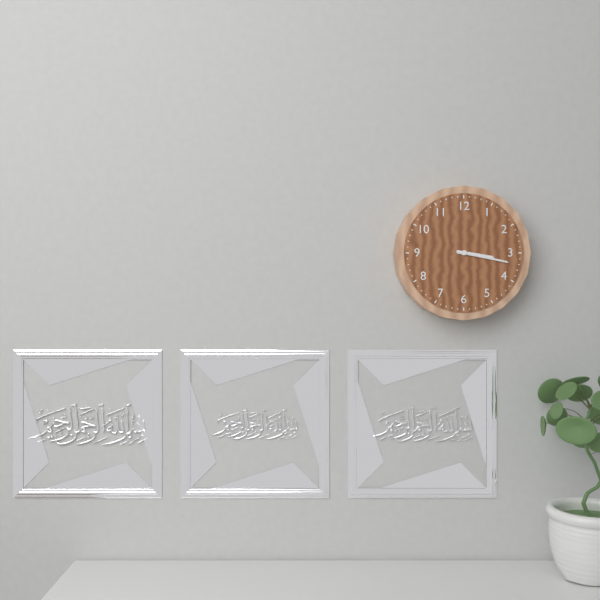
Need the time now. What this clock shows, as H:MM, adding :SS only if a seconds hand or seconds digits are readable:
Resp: 3:17
